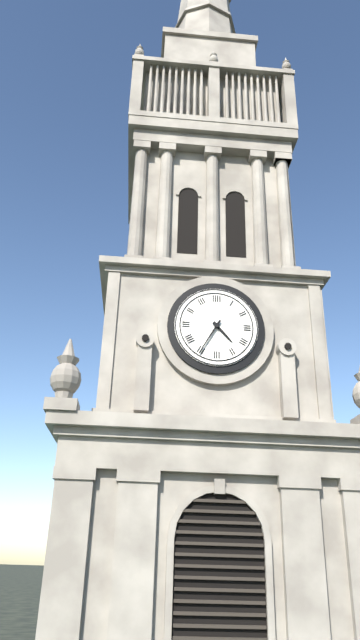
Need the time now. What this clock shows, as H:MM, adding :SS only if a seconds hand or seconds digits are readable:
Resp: 4:35
